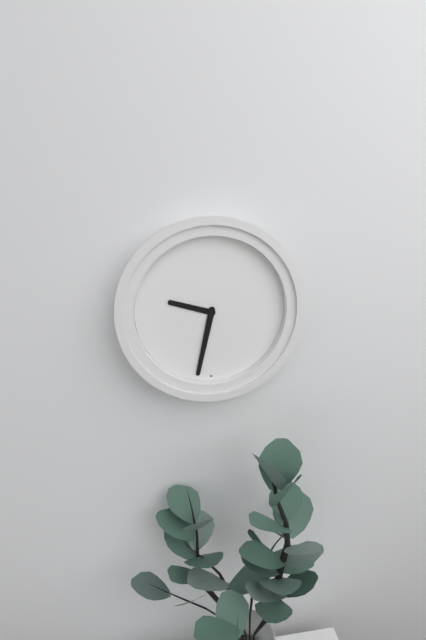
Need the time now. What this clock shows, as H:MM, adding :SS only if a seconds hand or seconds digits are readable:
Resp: 9:32
